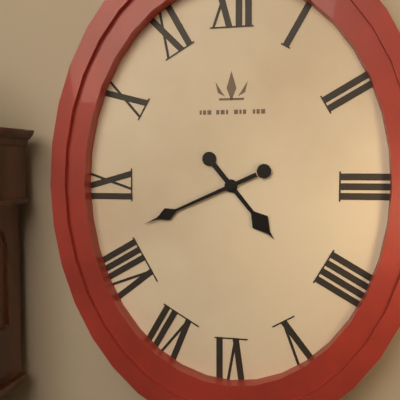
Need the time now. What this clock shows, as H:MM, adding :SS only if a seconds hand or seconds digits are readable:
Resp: 4:41
